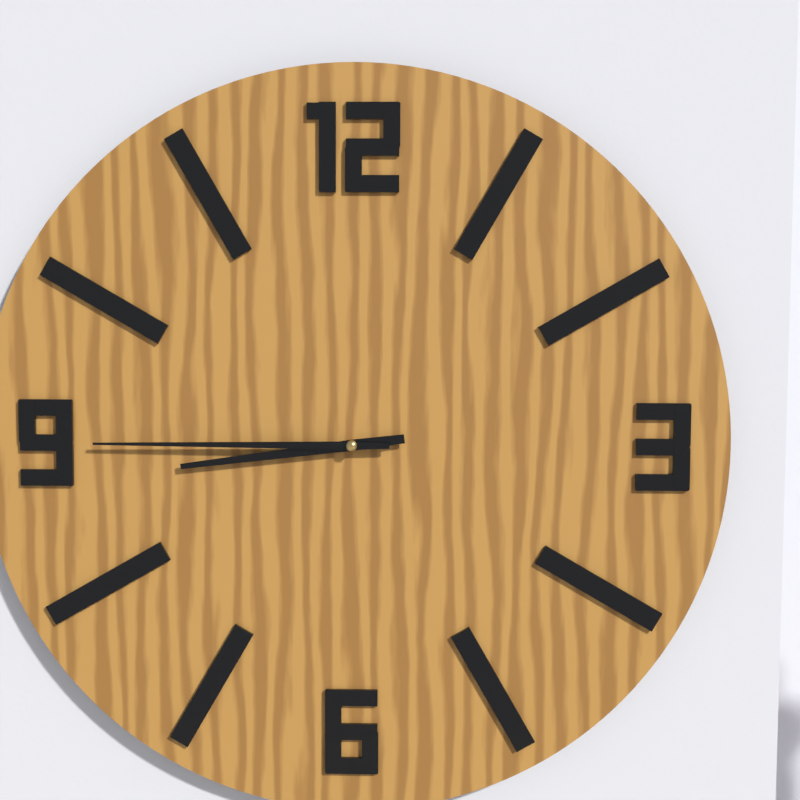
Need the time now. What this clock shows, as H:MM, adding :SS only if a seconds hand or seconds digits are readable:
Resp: 8:45
